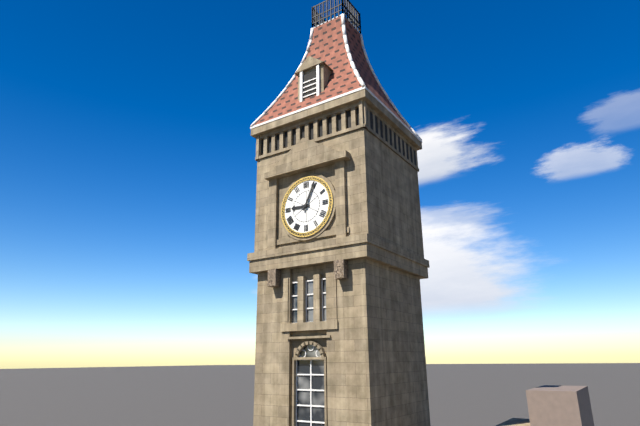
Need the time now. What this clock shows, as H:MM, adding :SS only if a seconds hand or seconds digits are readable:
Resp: 9:04
